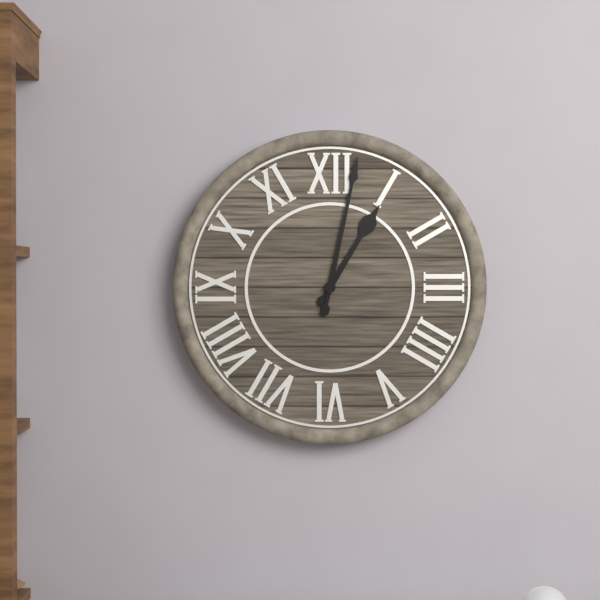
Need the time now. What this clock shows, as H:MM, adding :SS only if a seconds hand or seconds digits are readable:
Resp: 1:02
